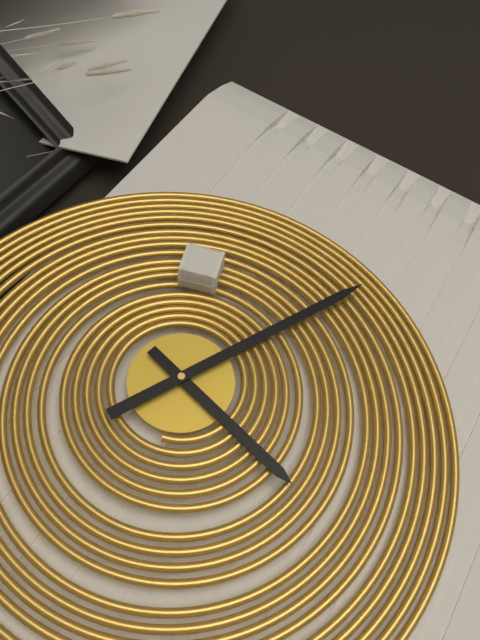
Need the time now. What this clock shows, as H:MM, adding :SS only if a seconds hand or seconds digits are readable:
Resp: 6:19
